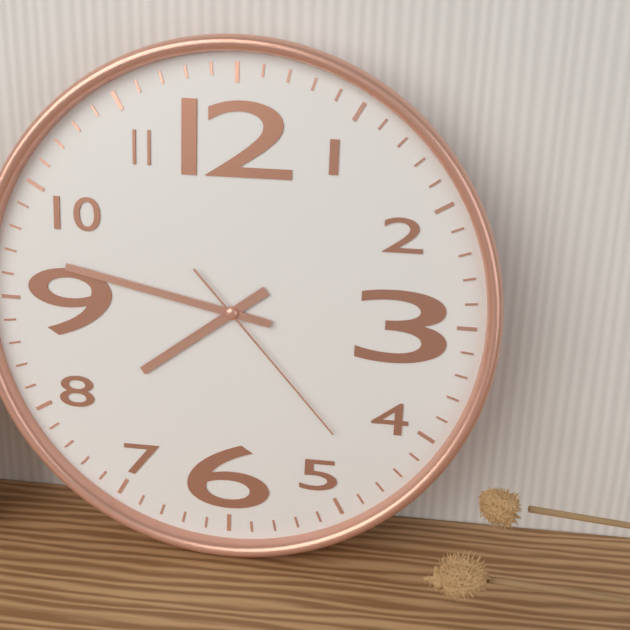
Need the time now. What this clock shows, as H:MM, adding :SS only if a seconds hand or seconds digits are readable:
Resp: 7:47:23
